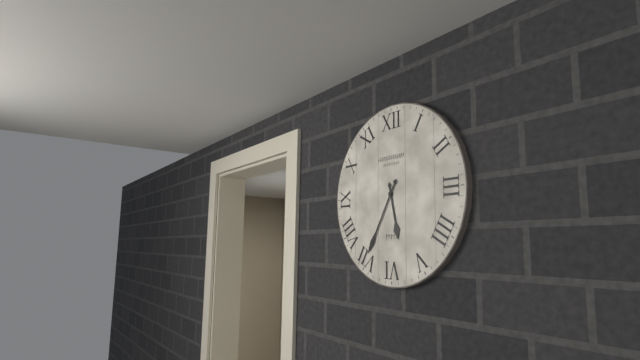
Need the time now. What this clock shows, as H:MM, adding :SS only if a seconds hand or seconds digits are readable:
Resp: 5:35
